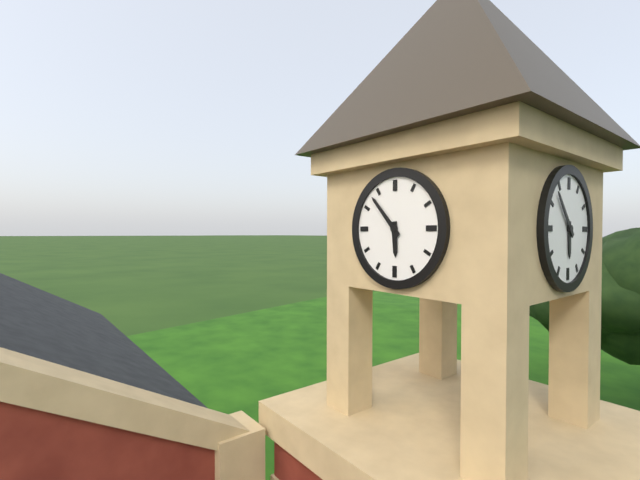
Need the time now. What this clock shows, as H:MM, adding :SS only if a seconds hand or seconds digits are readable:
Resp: 5:53
